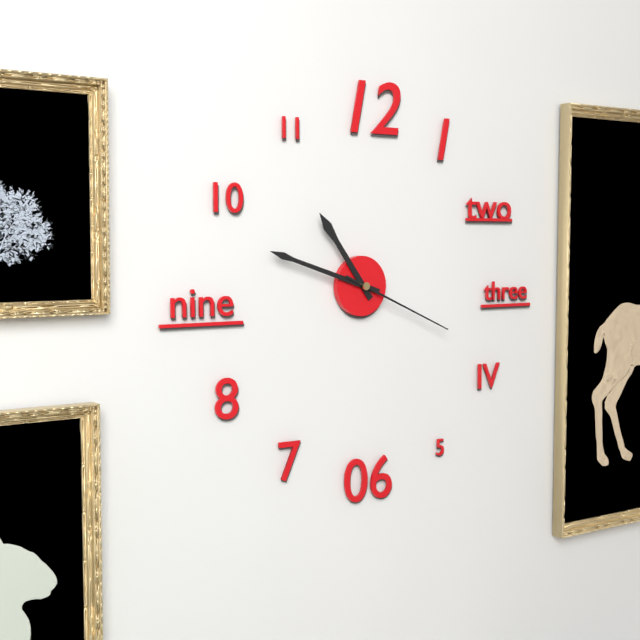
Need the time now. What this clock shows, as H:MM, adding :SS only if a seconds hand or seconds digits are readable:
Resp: 10:48:19
